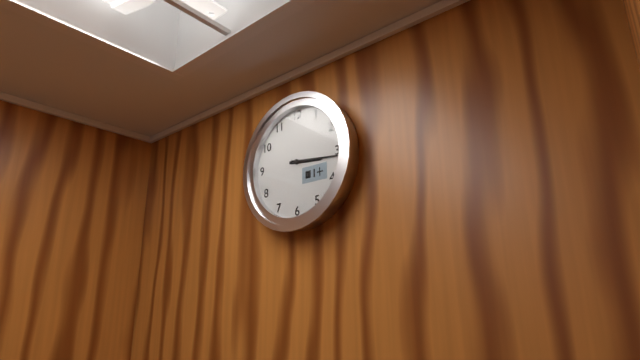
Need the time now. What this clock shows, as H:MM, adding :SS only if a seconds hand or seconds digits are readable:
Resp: 3:16
